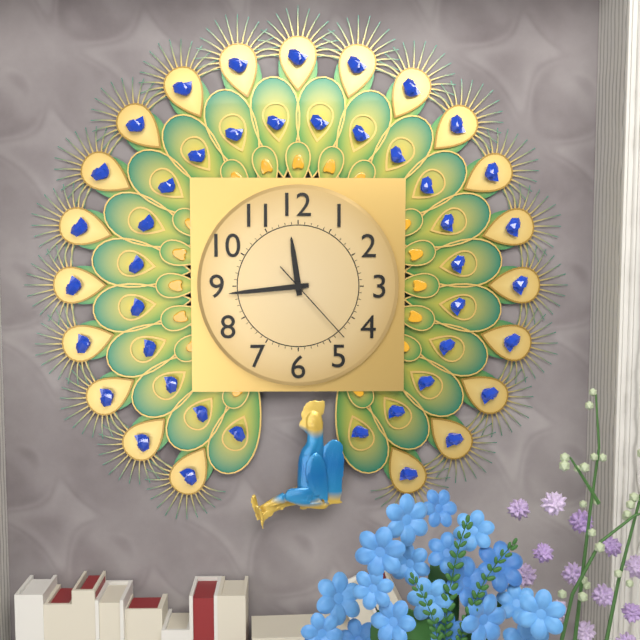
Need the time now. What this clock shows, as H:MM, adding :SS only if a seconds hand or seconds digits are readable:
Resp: 11:44:23
